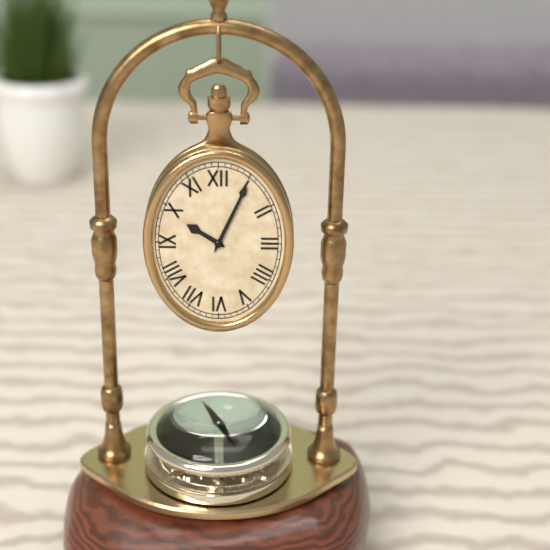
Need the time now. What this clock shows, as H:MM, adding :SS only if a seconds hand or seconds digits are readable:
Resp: 10:04
